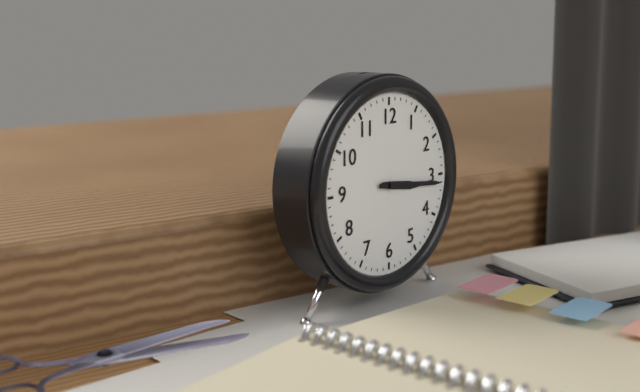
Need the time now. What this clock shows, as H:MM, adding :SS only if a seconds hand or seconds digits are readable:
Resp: 3:16
